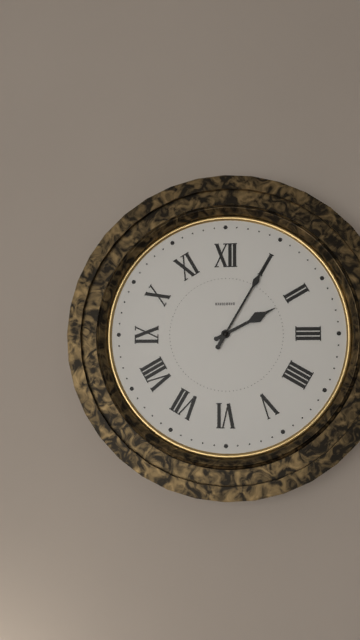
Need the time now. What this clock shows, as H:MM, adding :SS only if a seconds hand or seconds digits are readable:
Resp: 2:05
